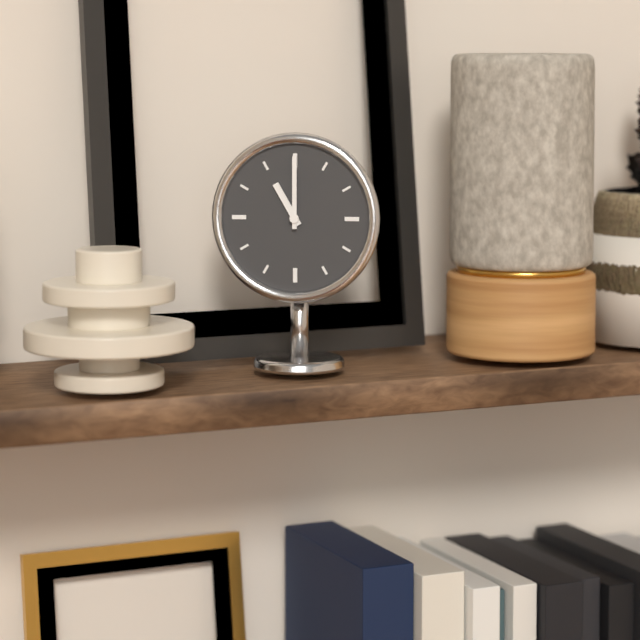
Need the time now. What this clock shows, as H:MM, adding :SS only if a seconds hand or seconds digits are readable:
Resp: 11:00
